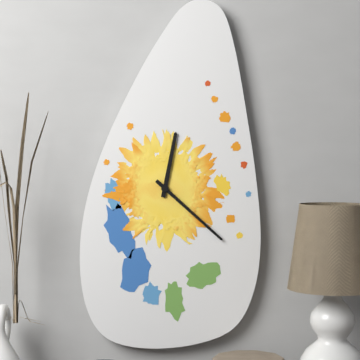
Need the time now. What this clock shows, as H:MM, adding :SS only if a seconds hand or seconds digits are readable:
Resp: 12:22
